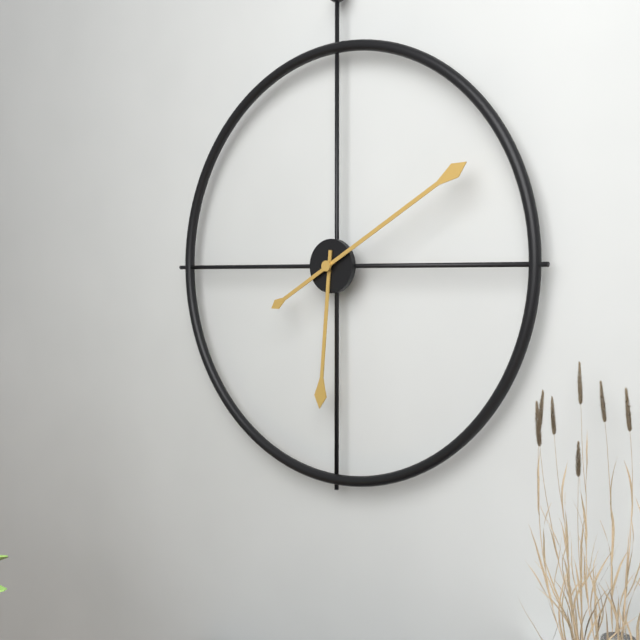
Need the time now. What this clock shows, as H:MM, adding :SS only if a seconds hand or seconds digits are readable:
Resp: 6:10
